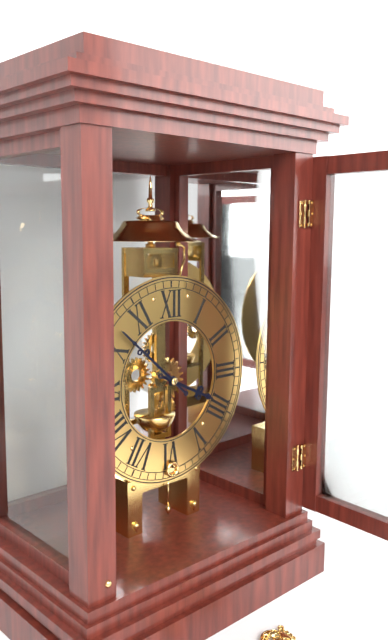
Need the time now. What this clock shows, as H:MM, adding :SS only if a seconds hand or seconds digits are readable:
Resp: 3:52
